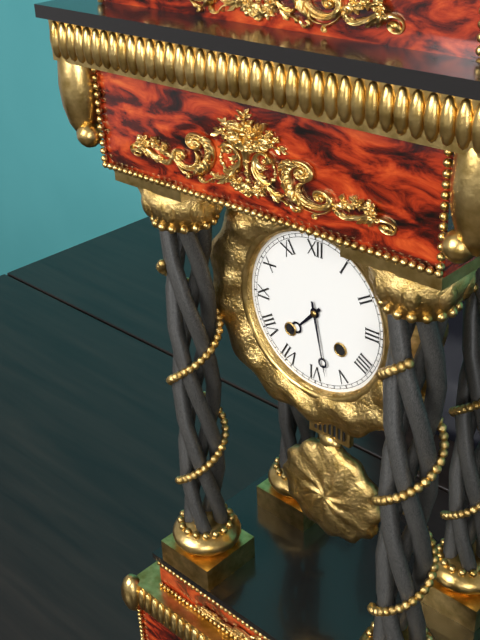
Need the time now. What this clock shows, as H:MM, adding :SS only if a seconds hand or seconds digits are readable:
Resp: 7:28
